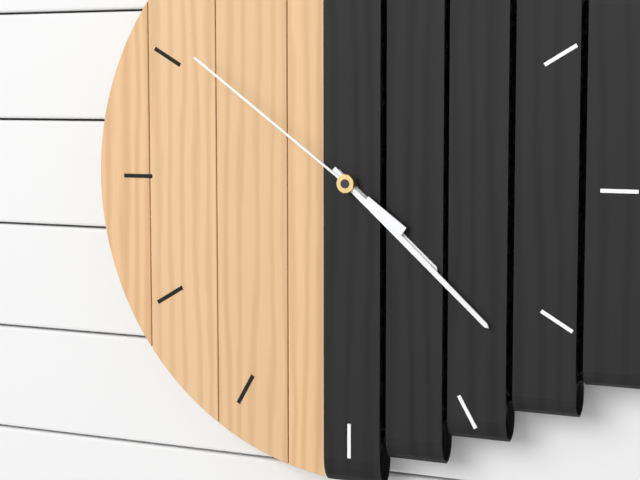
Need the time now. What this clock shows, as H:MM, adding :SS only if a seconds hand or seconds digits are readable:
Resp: 4:22:51
